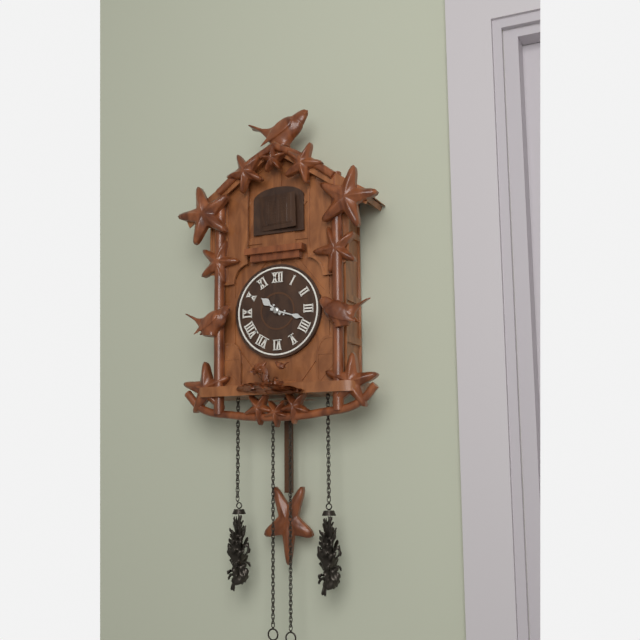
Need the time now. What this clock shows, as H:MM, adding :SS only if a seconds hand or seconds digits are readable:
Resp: 10:18
